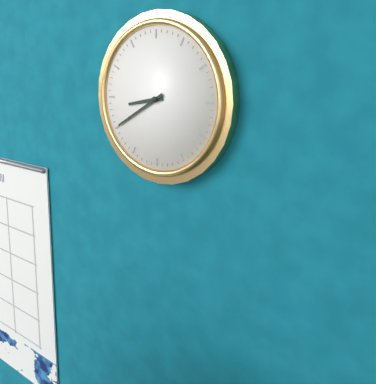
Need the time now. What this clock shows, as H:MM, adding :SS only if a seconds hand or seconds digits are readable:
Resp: 8:40
